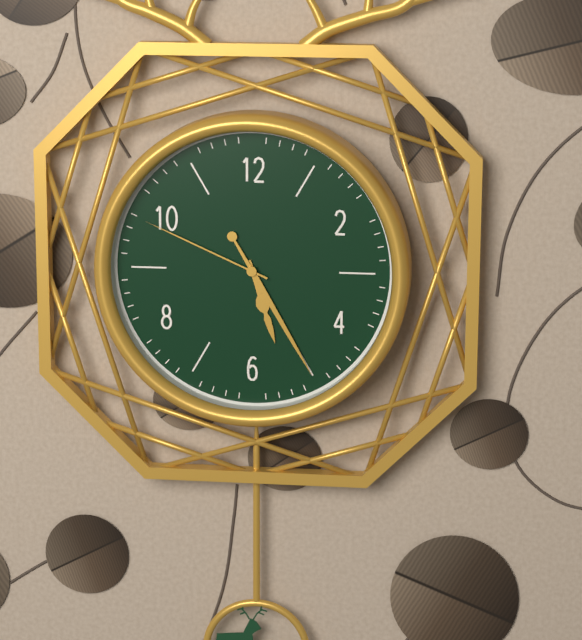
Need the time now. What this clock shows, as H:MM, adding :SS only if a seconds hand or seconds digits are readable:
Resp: 5:25:49
